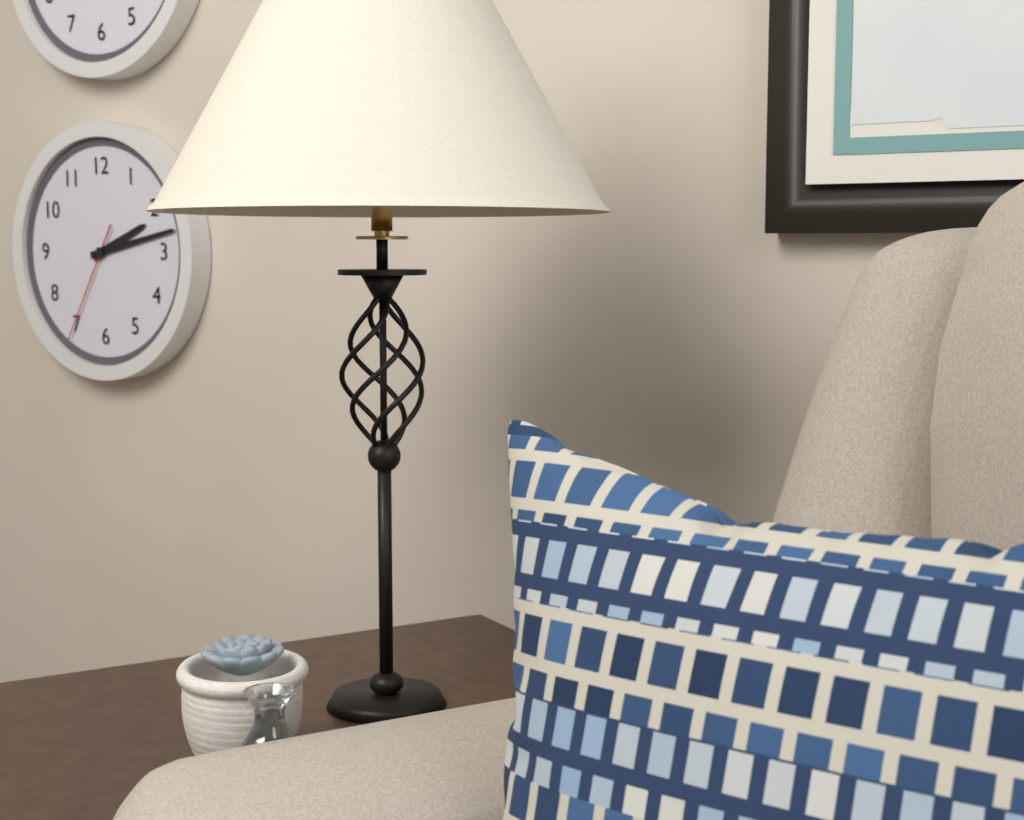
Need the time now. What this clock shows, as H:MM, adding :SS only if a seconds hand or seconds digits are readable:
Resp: 2:13:35
